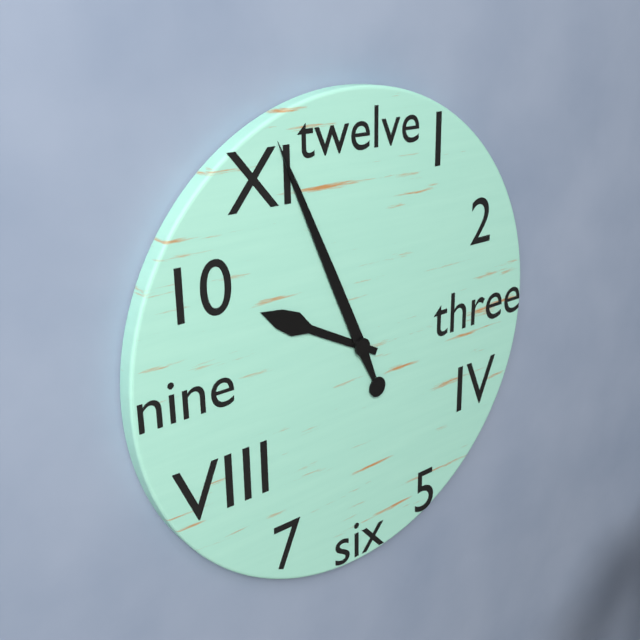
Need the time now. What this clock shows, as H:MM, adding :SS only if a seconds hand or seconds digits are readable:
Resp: 9:56
